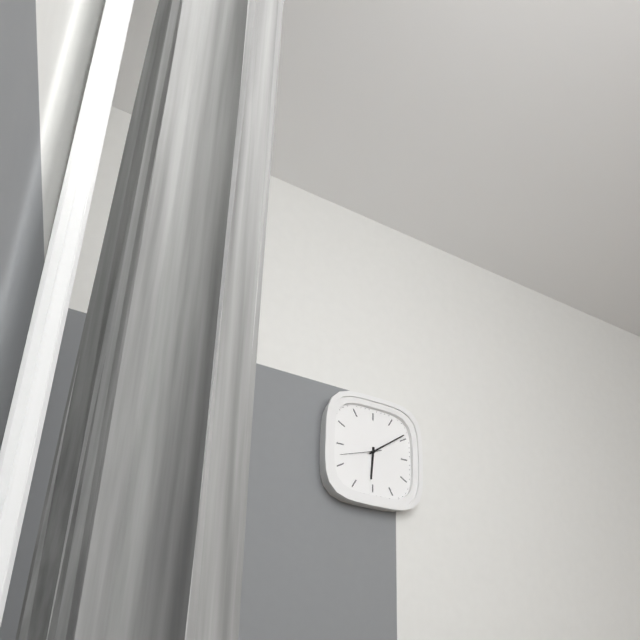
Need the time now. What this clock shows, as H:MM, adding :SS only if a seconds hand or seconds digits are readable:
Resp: 6:09
